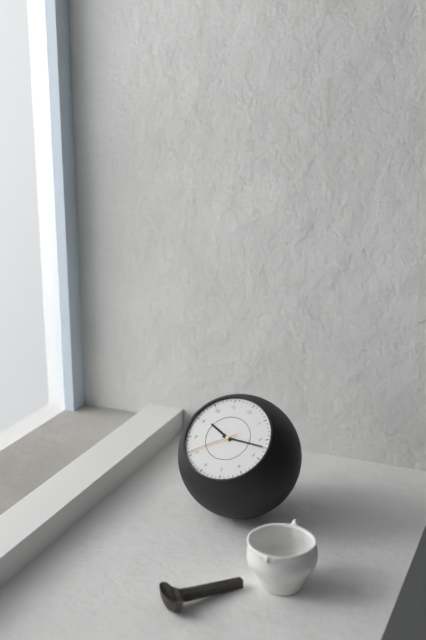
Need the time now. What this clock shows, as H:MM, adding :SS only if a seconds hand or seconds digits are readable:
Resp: 9:12:36
